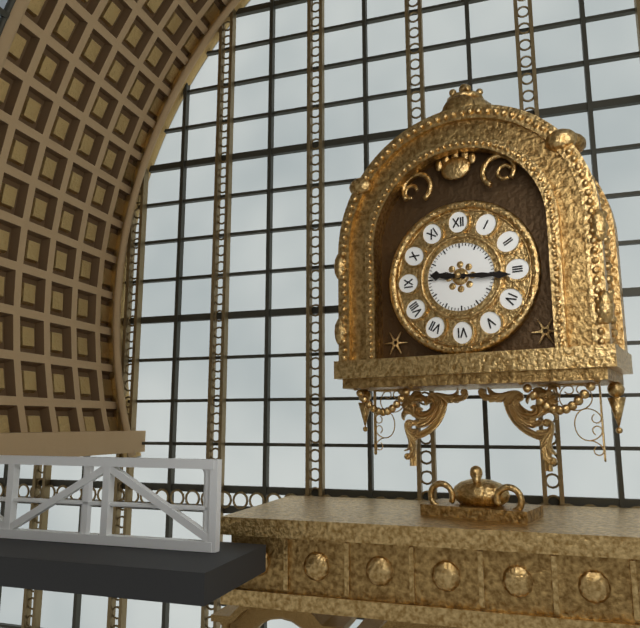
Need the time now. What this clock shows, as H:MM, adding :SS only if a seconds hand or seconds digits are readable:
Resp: 9:16
